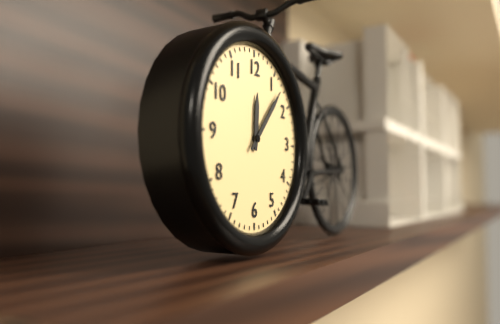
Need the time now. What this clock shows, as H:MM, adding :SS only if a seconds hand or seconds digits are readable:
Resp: 12:07
